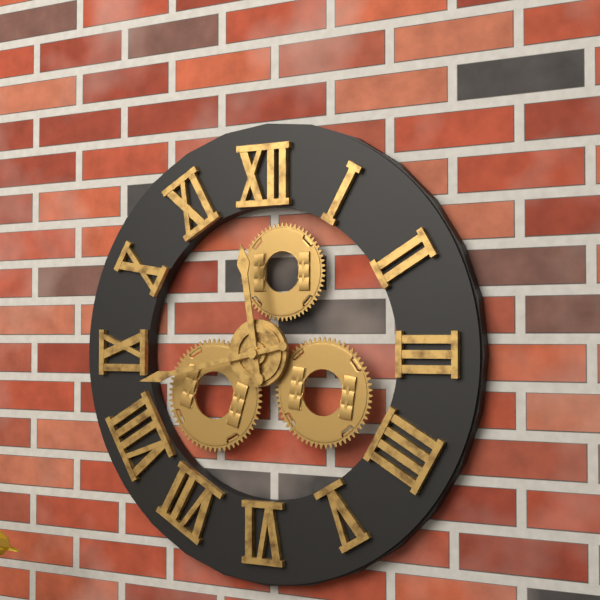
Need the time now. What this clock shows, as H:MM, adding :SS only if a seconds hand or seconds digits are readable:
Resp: 11:43
